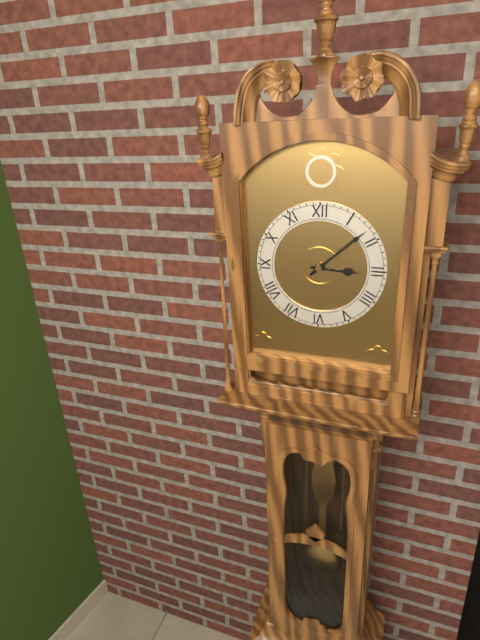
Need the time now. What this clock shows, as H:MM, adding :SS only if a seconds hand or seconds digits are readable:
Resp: 3:08
